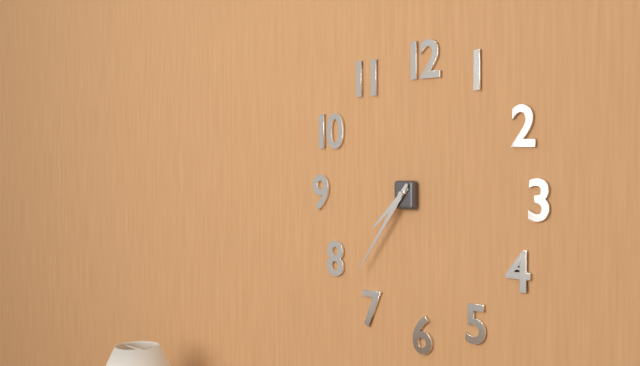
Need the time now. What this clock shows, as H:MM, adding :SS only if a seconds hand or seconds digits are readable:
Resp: 7:36
